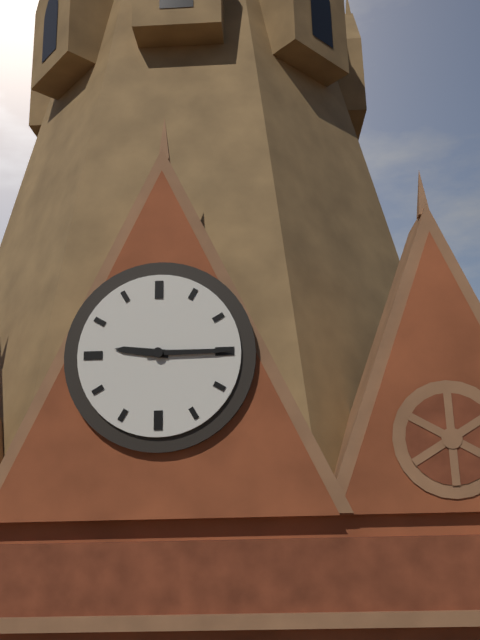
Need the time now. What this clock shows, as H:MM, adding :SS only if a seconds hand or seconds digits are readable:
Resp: 9:15
